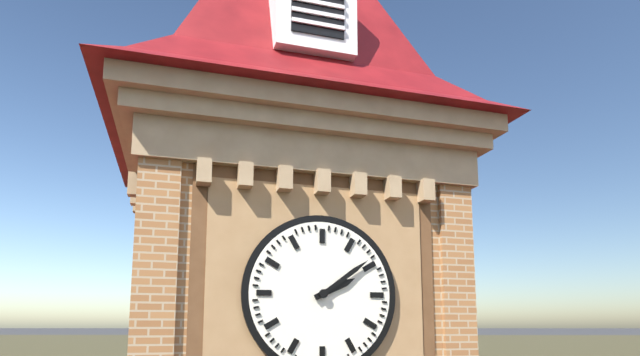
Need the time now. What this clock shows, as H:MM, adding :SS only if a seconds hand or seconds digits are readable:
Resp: 2:09
